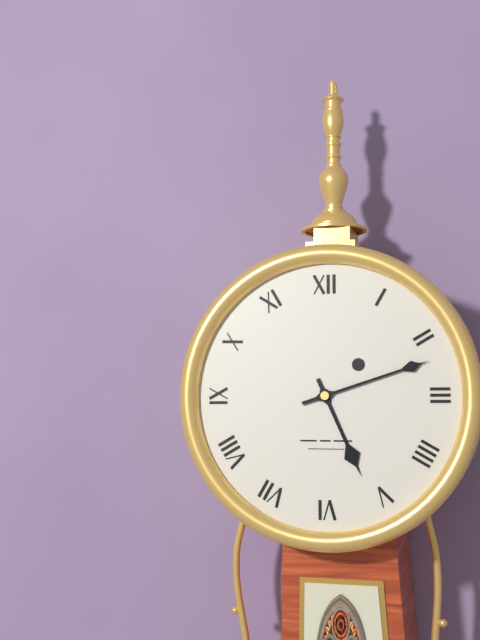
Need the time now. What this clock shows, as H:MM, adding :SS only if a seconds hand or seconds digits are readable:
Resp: 5:12
